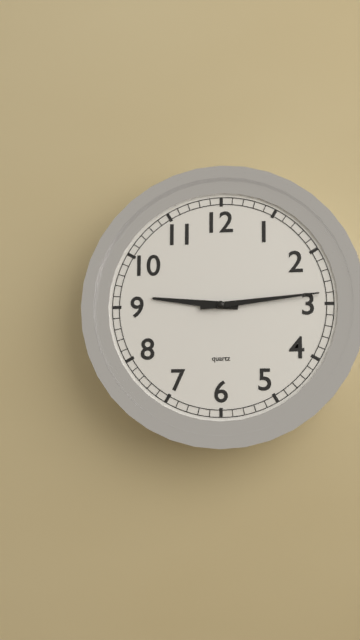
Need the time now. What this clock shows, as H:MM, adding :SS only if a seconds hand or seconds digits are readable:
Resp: 9:14
